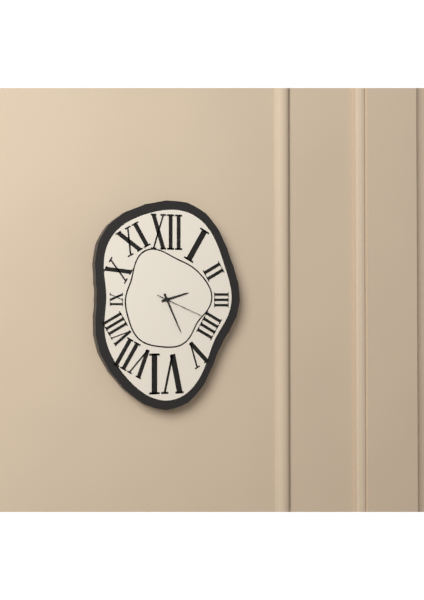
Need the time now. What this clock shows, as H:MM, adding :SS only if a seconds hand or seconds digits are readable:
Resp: 2:26:19
